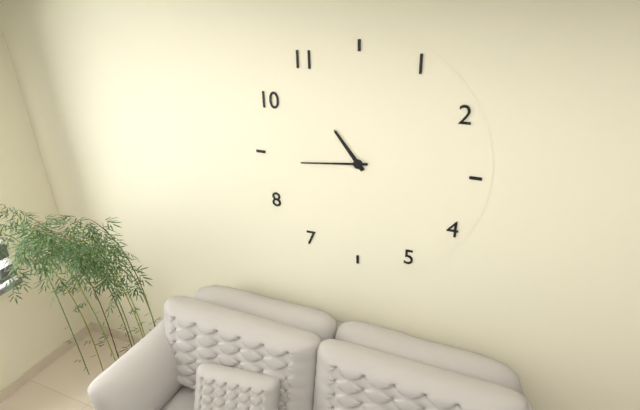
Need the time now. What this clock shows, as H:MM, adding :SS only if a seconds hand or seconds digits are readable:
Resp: 10:44
